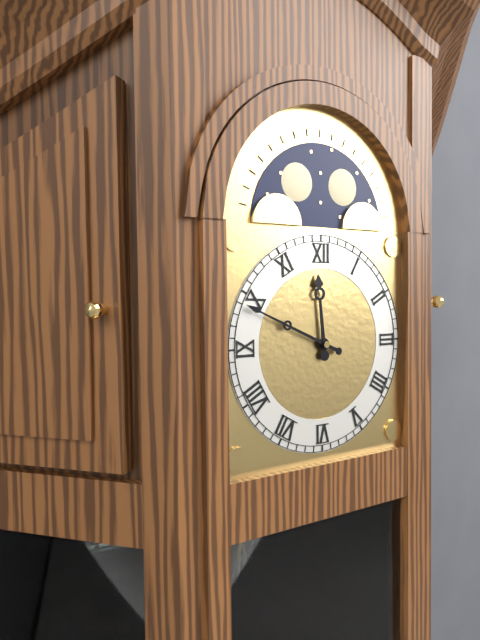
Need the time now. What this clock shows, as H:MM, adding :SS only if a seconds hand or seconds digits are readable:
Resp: 11:49
